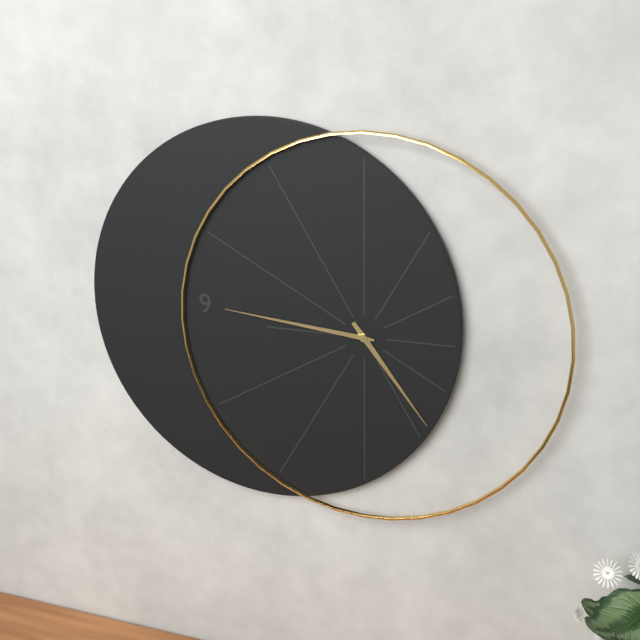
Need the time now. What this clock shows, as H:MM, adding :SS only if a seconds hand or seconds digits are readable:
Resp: 4:46
